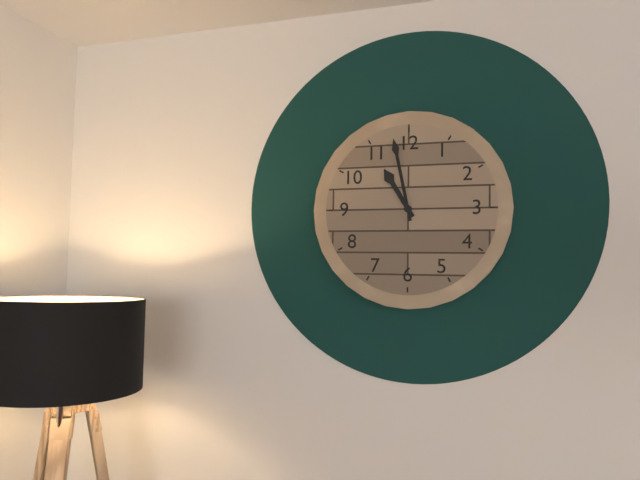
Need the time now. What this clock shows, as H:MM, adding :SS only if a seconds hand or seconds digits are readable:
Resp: 10:58
